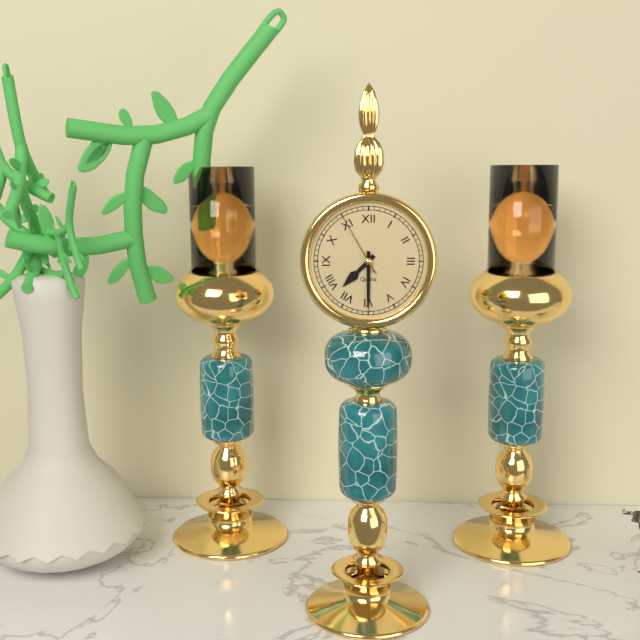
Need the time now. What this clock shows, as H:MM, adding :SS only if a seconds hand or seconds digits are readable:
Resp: 7:30:55
